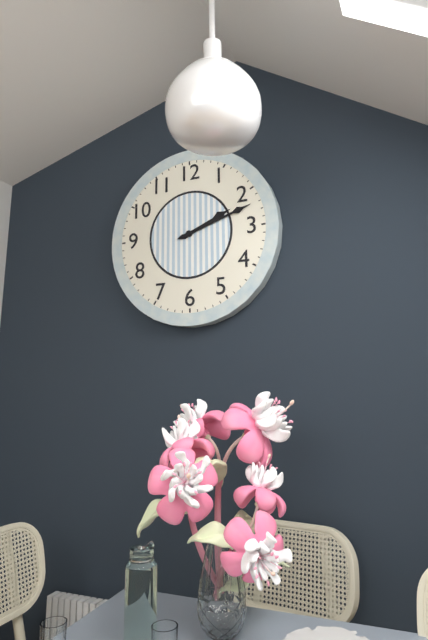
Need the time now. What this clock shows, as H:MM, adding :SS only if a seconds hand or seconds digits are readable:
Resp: 2:12
